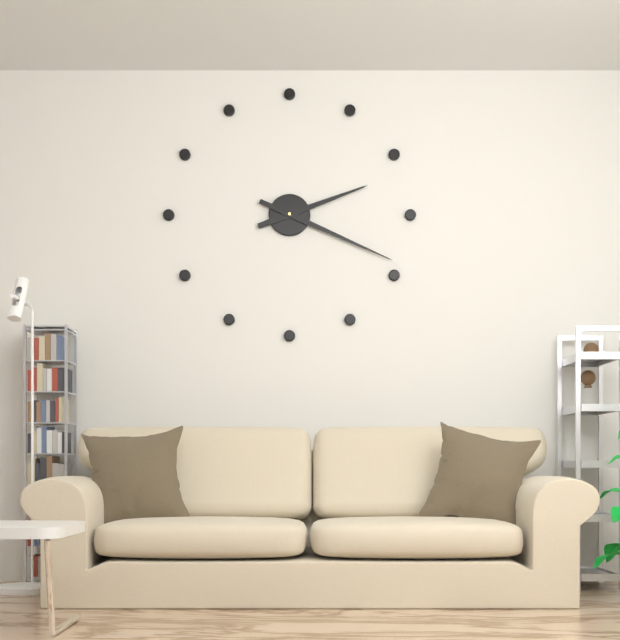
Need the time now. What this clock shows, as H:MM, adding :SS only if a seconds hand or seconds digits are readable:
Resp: 2:19
